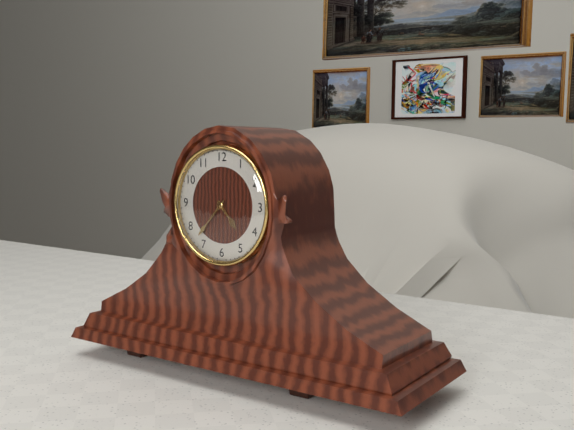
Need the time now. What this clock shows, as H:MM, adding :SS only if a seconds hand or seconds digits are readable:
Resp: 4:37
